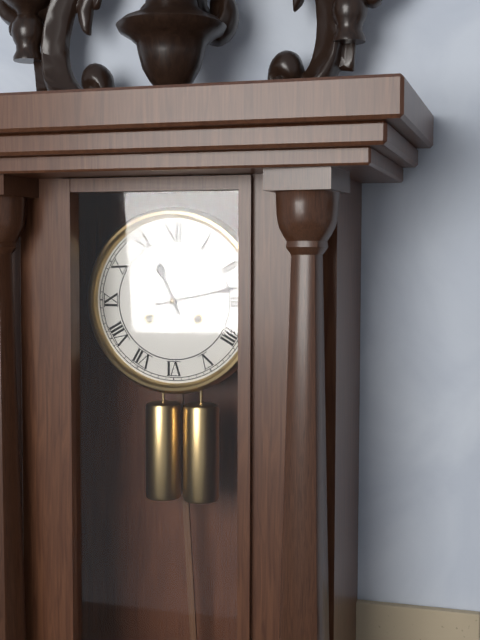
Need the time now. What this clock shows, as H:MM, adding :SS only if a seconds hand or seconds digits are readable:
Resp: 11:13
